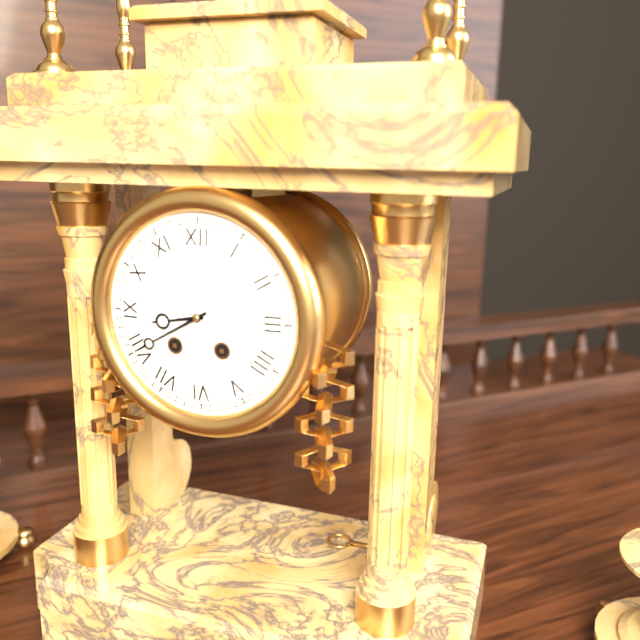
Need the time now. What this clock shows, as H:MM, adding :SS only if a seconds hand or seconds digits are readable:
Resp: 8:40
